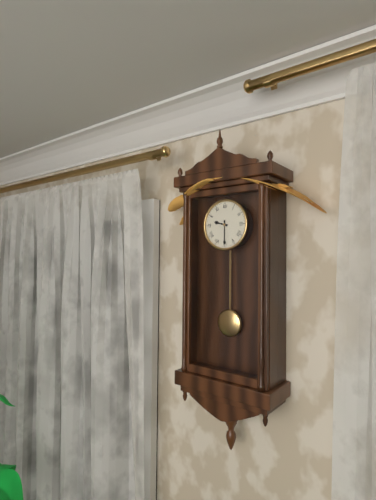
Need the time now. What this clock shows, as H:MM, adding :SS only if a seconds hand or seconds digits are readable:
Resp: 9:30
